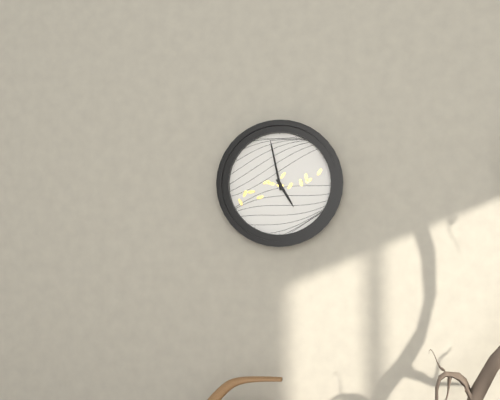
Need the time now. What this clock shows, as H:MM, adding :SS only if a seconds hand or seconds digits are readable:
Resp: 4:58
